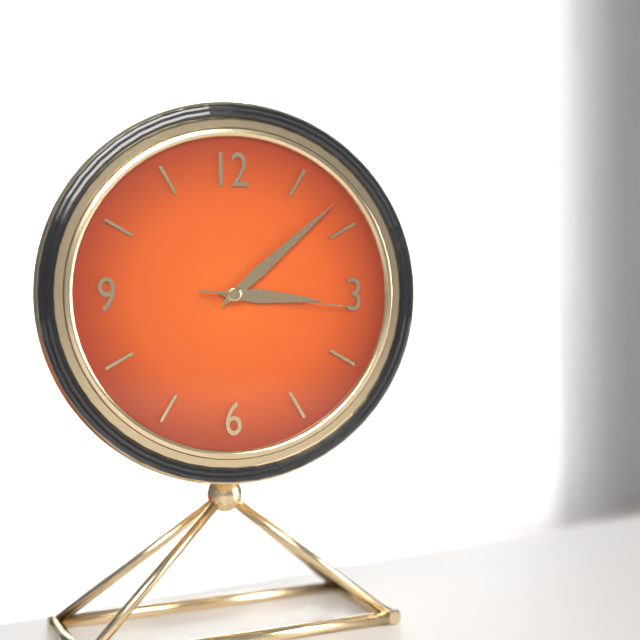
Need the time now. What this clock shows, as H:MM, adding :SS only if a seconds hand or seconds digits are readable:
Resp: 3:08:16
